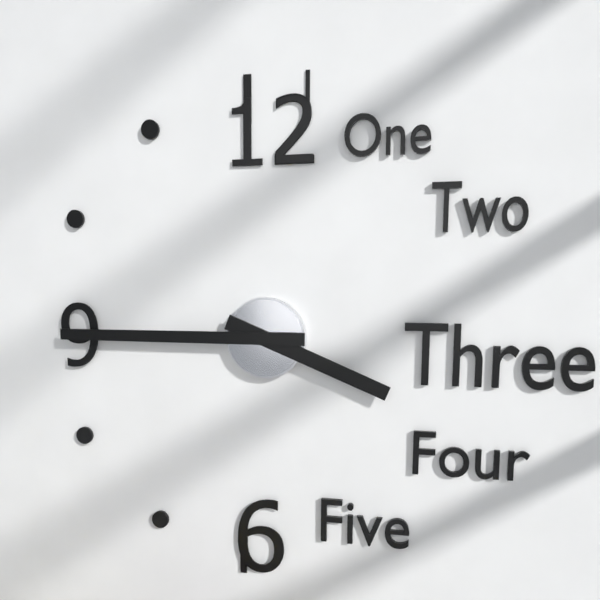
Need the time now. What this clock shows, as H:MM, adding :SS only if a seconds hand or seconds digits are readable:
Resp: 3:45
